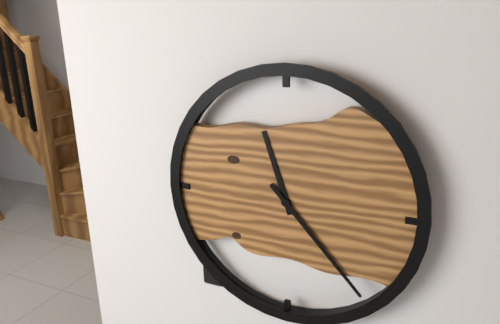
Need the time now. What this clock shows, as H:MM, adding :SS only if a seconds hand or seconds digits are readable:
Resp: 11:23
